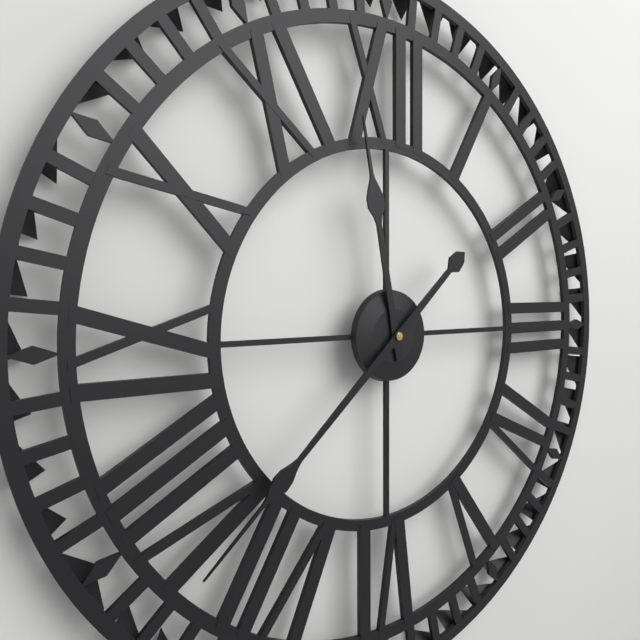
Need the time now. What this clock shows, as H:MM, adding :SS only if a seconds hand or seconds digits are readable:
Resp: 11:38
